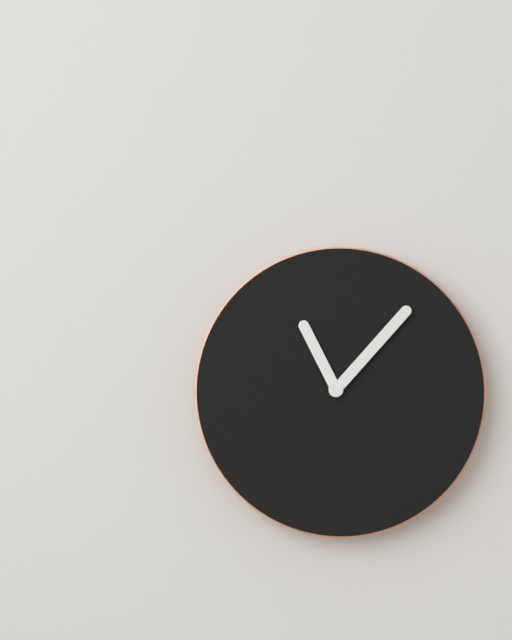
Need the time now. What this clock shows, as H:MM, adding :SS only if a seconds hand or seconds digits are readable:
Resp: 11:07
